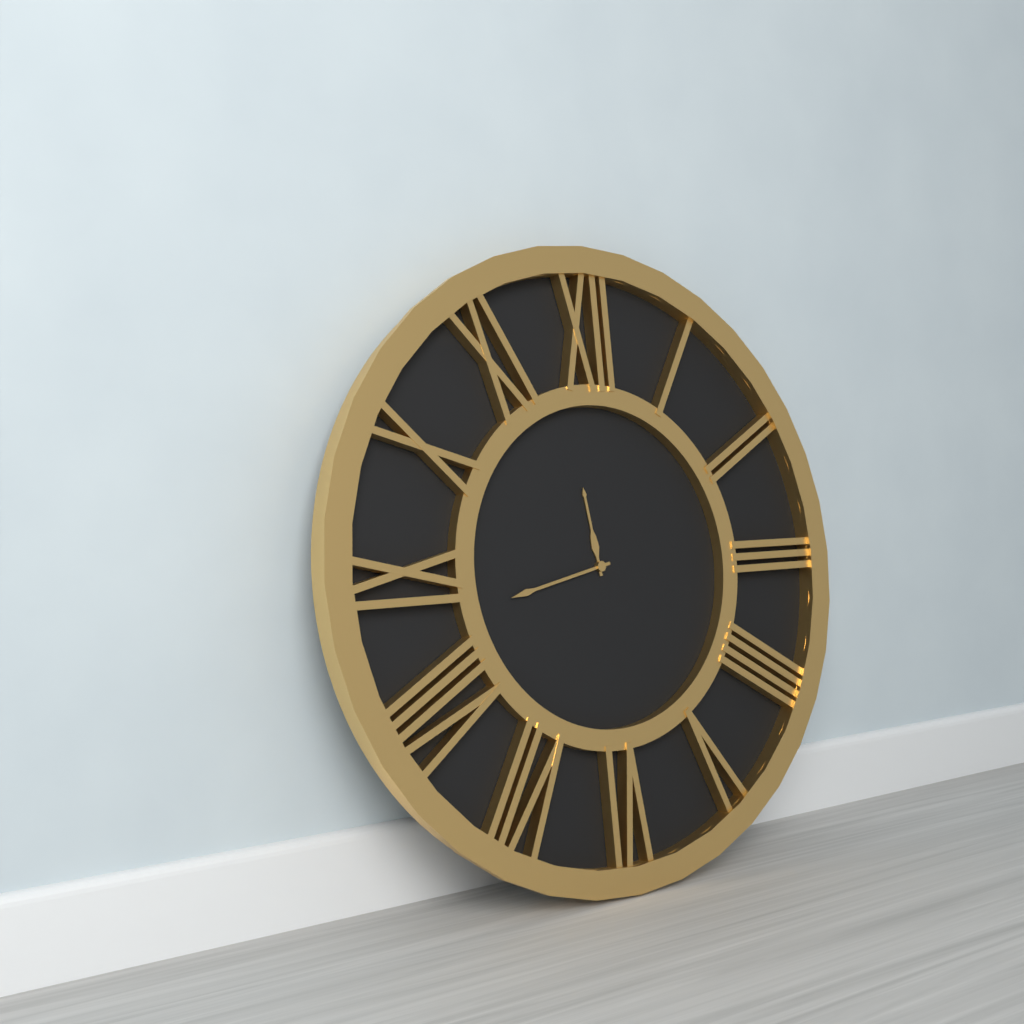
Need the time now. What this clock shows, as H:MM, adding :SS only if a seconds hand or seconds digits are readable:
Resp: 11:43
